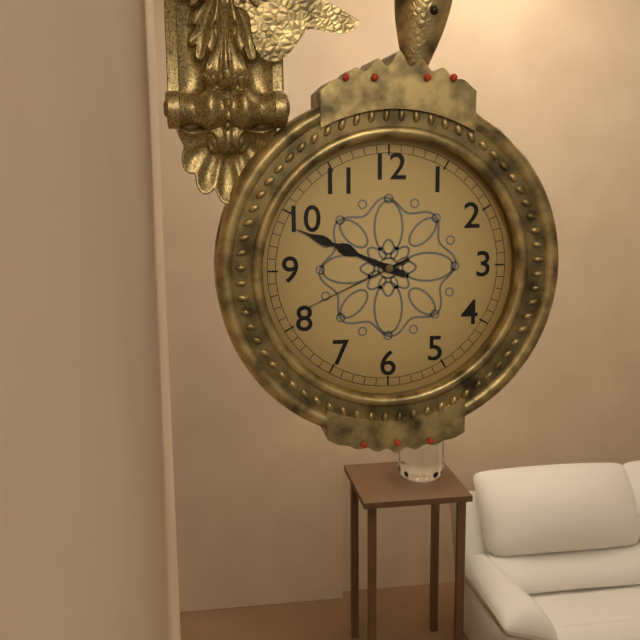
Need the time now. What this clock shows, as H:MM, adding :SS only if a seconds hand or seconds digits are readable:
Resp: 9:49:41
